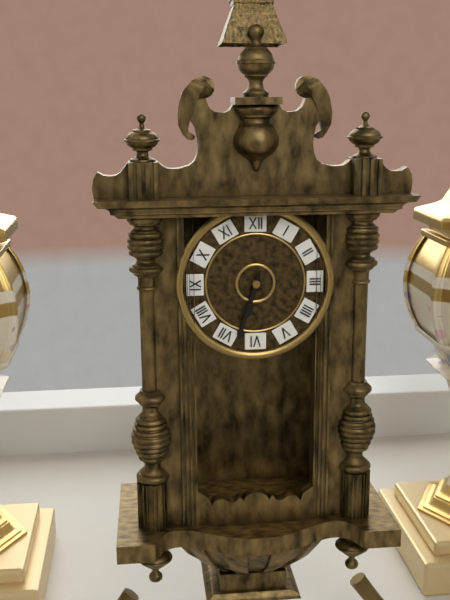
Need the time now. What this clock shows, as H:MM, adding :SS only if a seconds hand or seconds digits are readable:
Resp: 6:33
